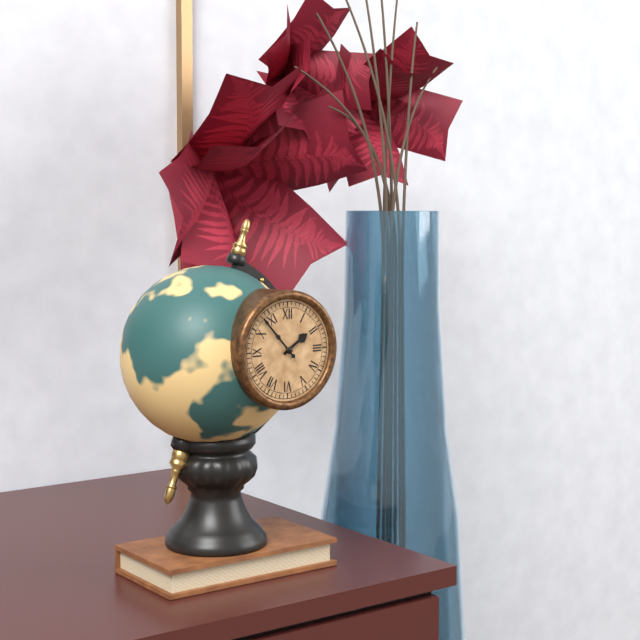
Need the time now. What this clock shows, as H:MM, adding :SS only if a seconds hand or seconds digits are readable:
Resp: 1:53
